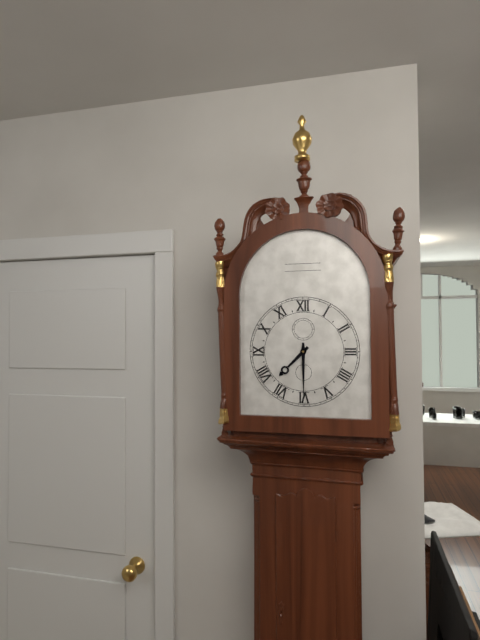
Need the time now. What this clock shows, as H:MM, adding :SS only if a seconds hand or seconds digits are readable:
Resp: 7:30
